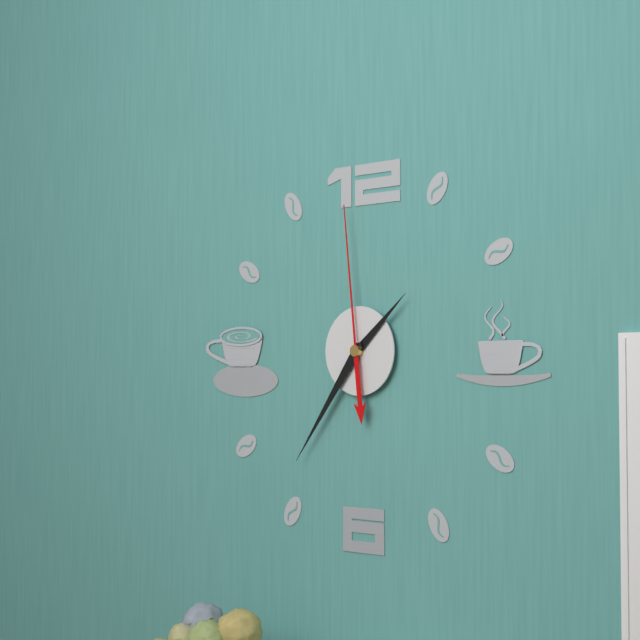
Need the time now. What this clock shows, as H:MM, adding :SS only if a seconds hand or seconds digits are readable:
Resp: 1:36:59
